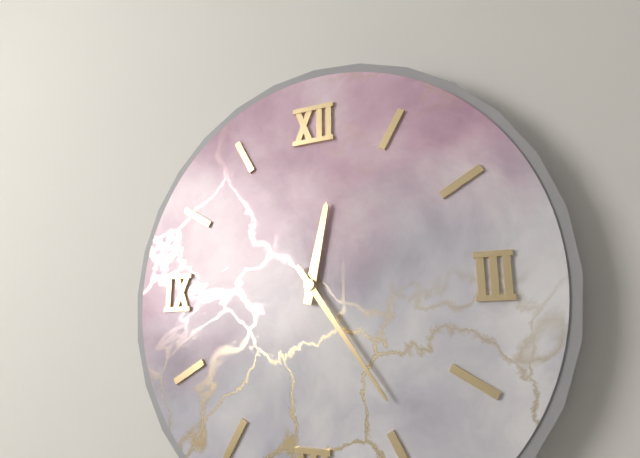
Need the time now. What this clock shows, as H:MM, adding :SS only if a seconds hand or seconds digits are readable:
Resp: 12:24
